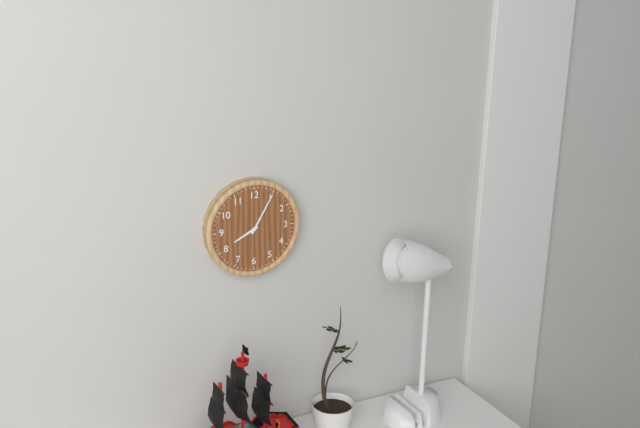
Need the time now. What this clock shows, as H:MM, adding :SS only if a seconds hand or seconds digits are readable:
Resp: 8:05
